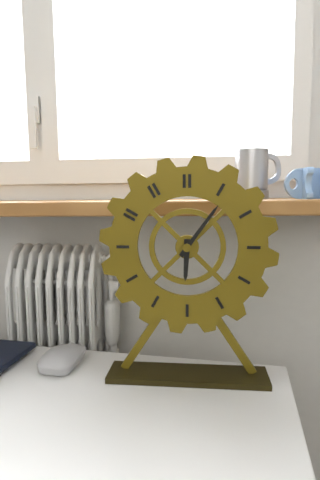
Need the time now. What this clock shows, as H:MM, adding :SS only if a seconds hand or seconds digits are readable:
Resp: 6:06
